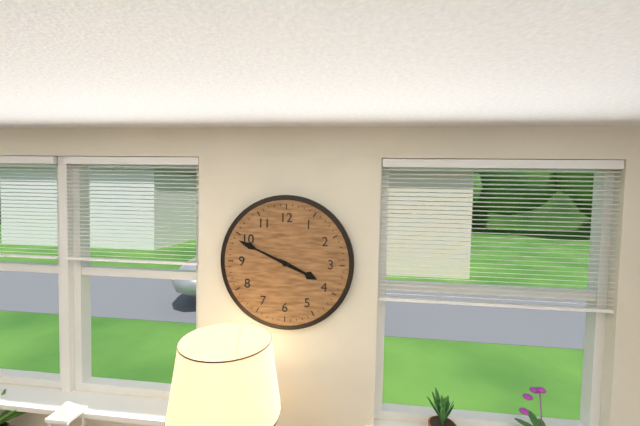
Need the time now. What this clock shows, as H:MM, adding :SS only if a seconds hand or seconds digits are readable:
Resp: 3:49
